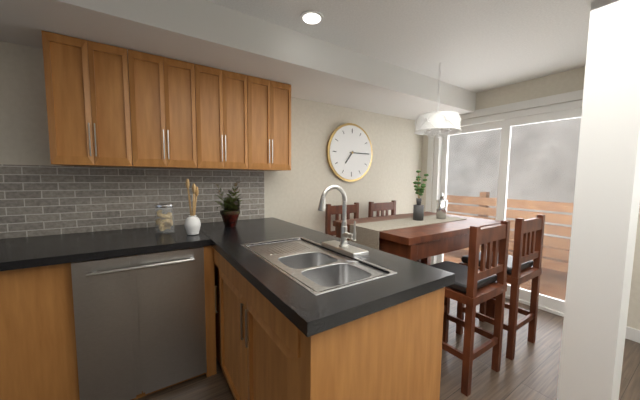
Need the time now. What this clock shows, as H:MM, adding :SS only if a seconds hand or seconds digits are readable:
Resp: 7:15
